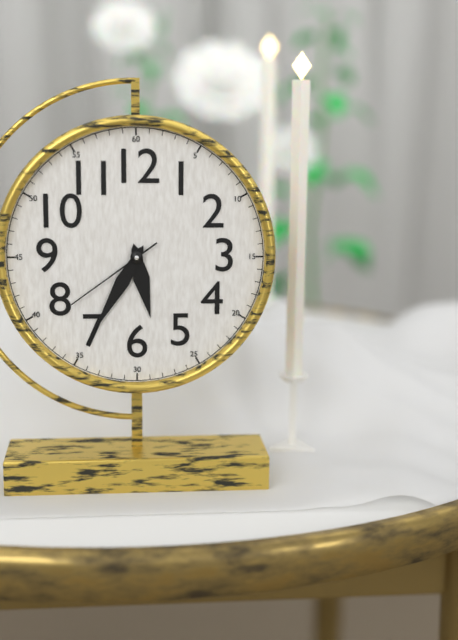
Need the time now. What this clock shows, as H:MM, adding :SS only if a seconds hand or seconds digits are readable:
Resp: 5:35:39
